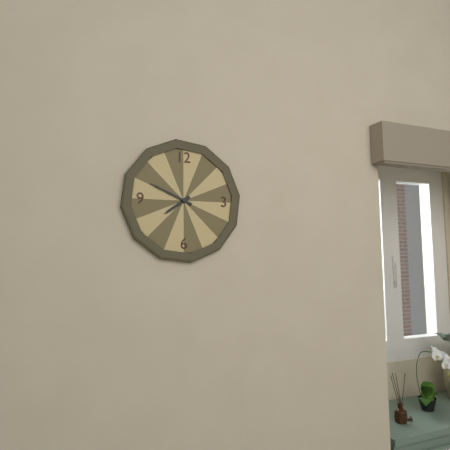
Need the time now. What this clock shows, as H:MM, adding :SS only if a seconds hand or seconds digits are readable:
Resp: 7:49
